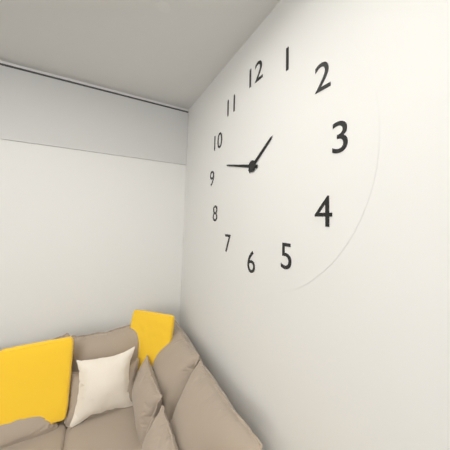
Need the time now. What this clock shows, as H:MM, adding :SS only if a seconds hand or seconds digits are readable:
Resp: 1:47
